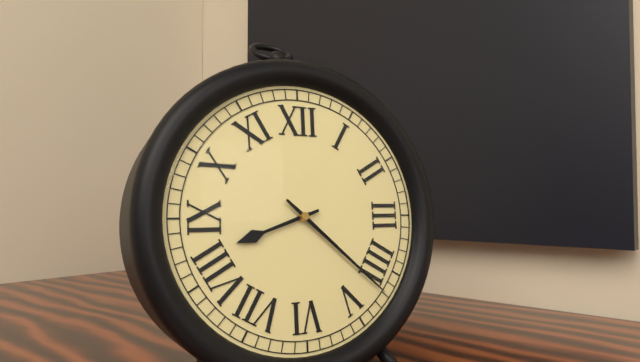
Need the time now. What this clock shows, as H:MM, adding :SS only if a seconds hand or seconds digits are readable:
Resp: 8:22
